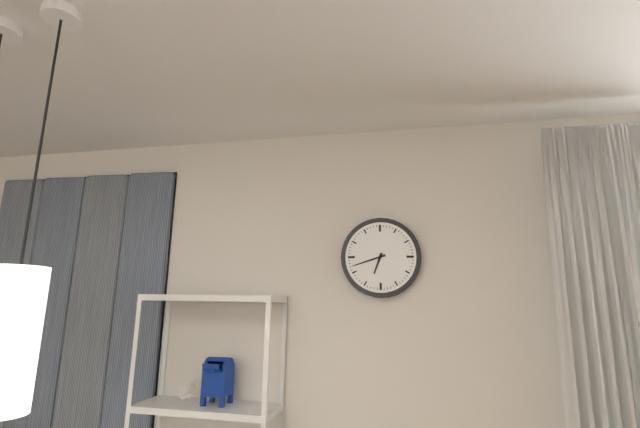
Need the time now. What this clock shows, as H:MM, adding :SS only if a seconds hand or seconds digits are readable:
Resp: 6:42
